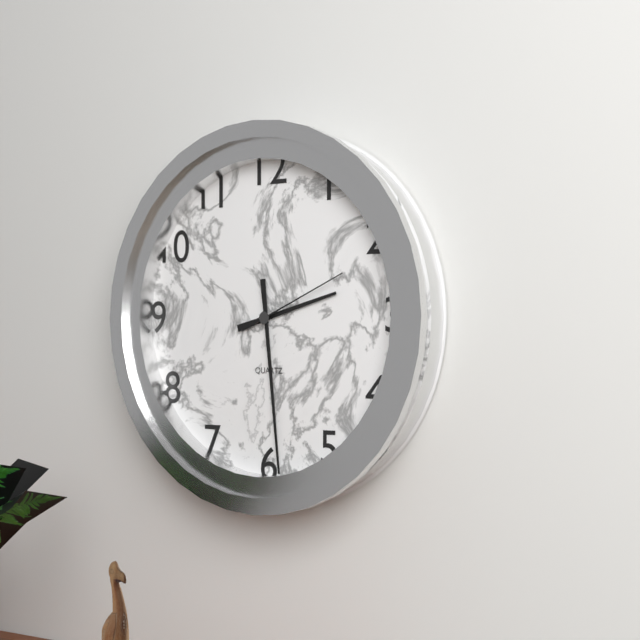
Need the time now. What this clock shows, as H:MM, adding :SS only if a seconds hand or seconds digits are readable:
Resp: 2:29:11
